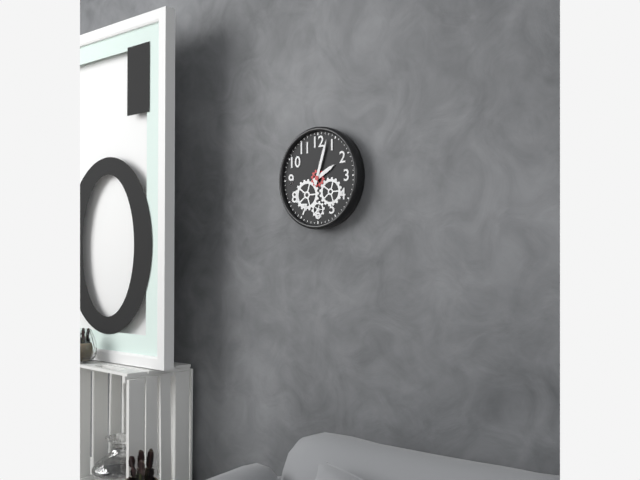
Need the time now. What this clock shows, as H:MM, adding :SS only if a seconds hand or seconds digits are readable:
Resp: 2:03
